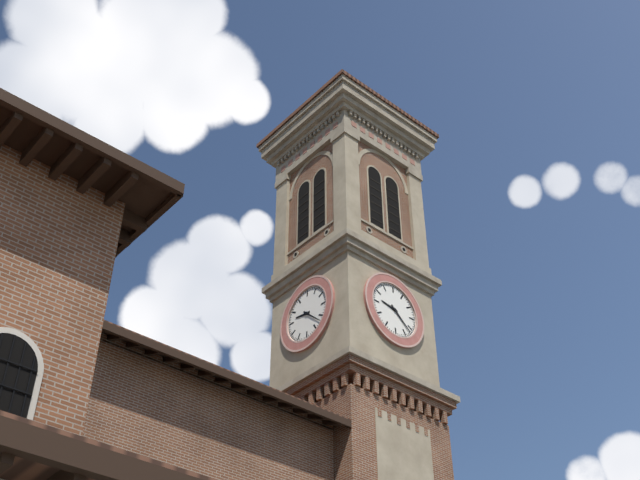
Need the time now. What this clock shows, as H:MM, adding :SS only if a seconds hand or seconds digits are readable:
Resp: 9:22
